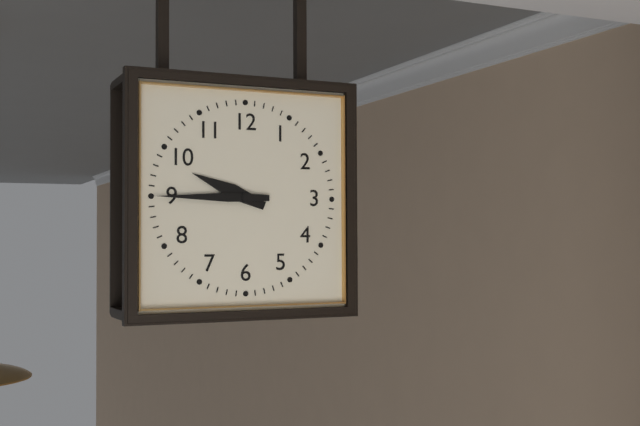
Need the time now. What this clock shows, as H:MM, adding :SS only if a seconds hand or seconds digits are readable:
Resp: 9:45
